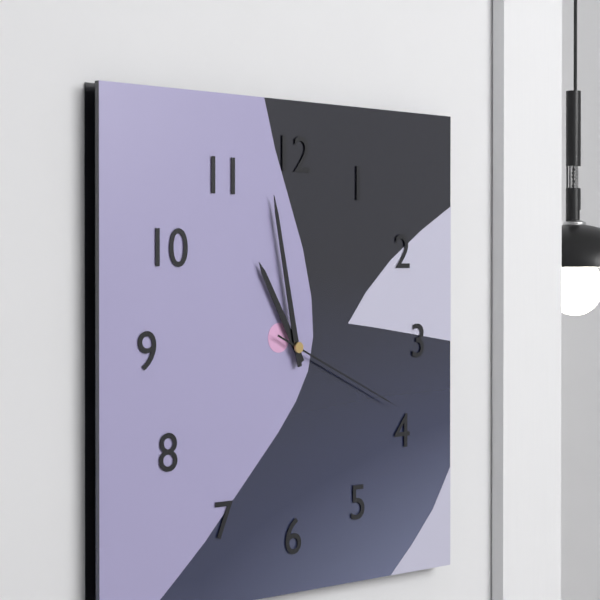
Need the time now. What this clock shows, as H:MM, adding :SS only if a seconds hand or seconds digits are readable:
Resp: 10:58:19
